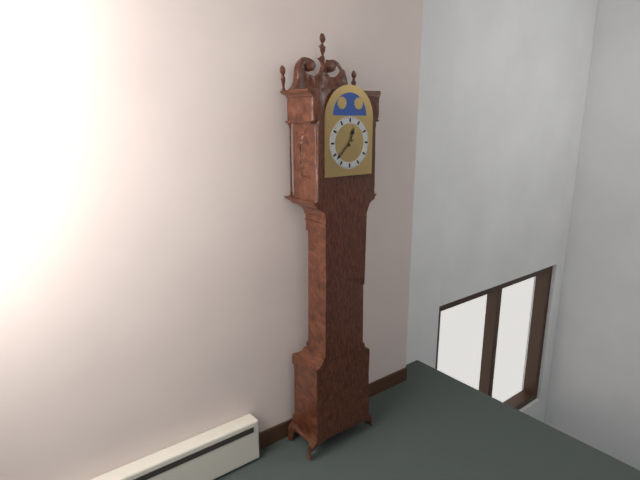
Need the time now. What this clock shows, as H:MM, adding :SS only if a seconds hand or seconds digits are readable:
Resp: 12:38
